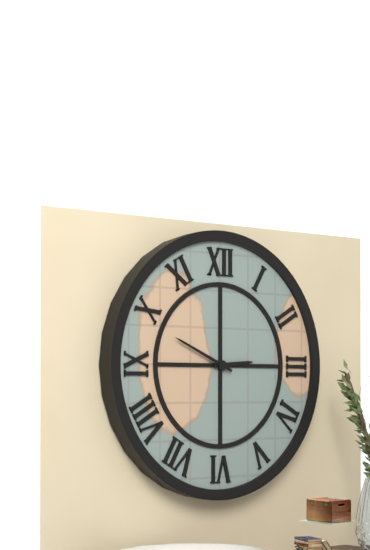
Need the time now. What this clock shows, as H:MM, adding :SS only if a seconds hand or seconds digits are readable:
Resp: 2:49
